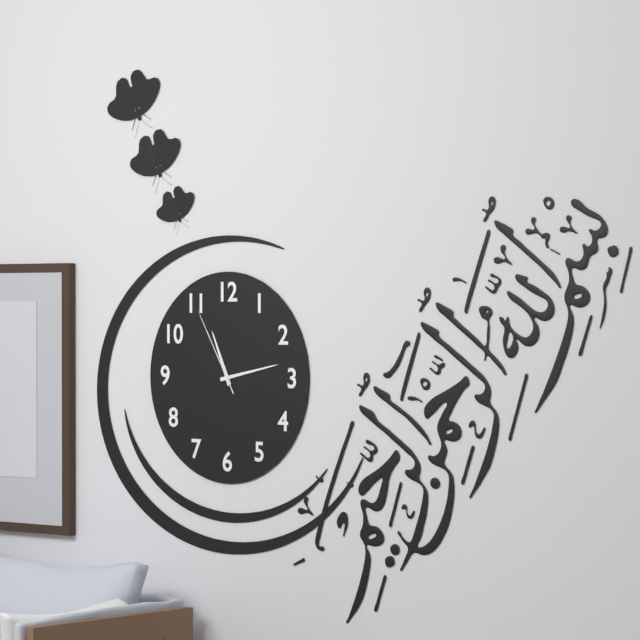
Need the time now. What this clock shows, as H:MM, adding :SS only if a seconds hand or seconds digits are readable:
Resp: 11:13:55
